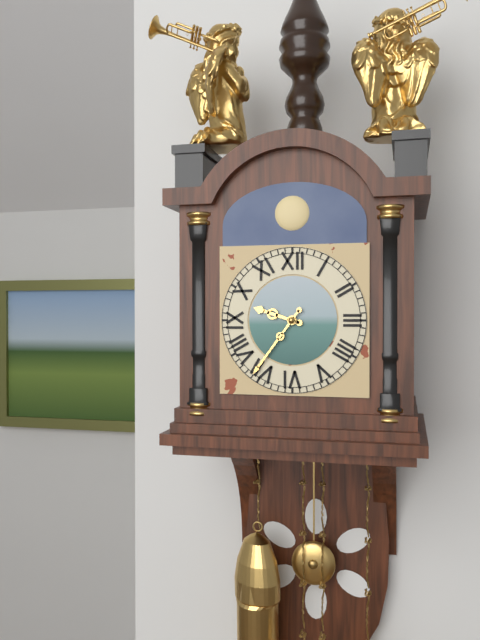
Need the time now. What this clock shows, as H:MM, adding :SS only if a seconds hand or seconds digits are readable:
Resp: 9:36
